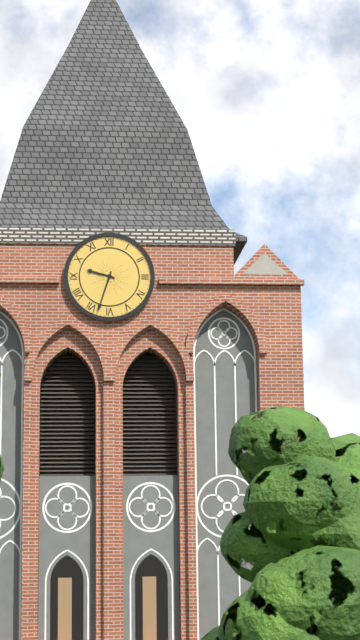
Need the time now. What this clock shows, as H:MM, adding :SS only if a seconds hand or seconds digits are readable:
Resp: 9:33
